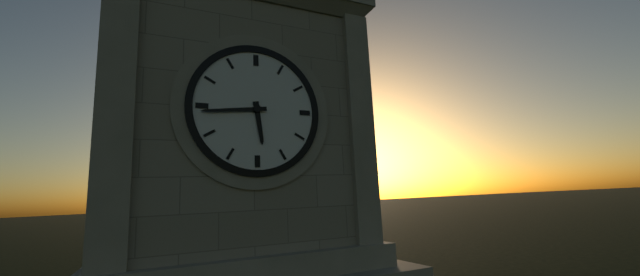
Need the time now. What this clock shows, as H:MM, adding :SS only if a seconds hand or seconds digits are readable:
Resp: 5:44
